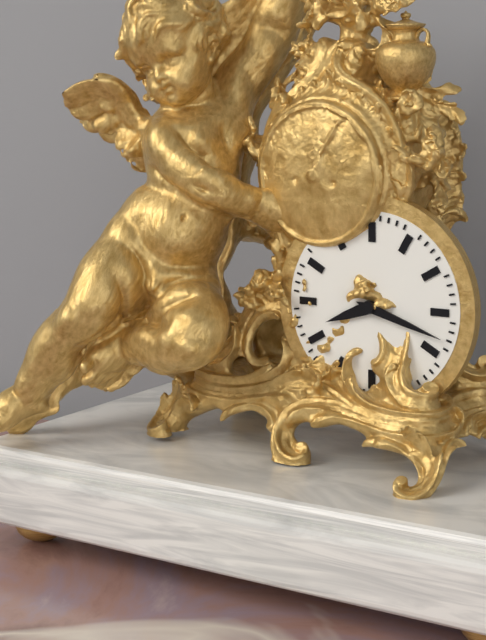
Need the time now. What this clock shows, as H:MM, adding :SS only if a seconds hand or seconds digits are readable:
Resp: 8:18
